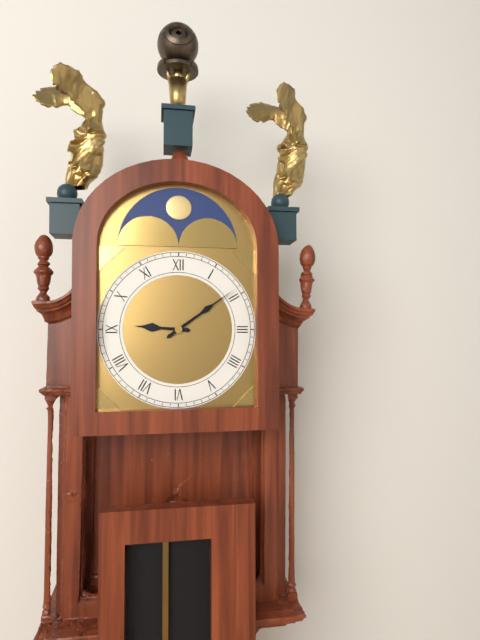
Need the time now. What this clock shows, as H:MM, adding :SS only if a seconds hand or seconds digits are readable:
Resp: 9:09
